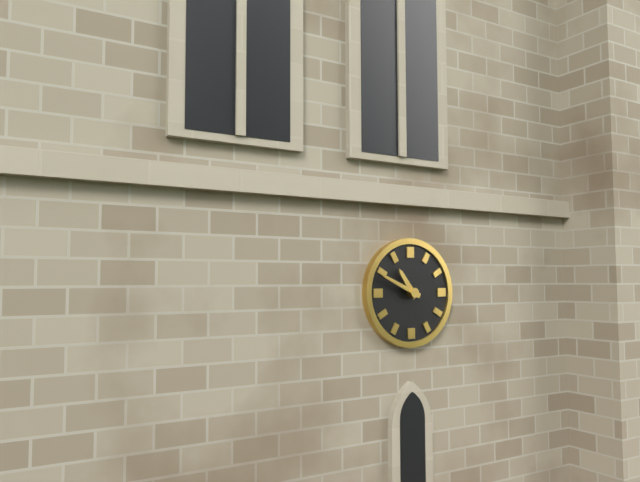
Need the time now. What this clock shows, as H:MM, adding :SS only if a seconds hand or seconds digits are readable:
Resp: 10:49
